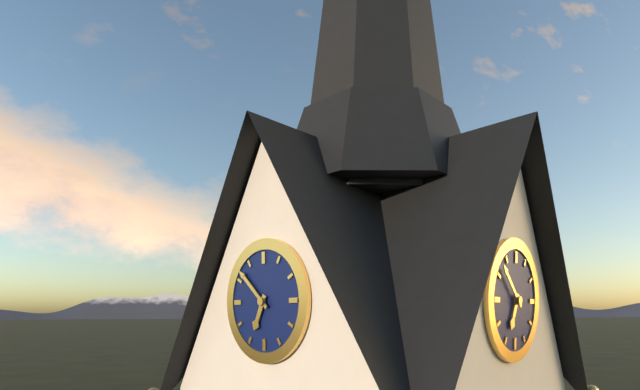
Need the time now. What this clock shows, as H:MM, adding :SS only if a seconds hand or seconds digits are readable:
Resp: 6:52
